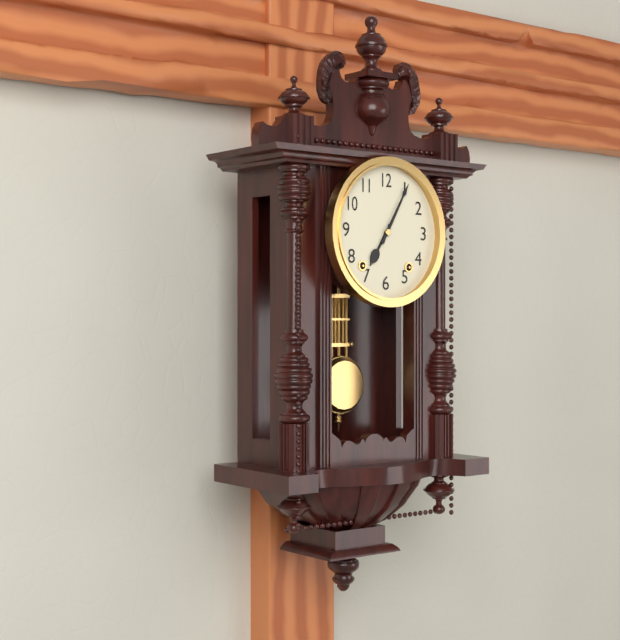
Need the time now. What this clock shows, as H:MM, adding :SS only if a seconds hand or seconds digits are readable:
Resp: 7:05
